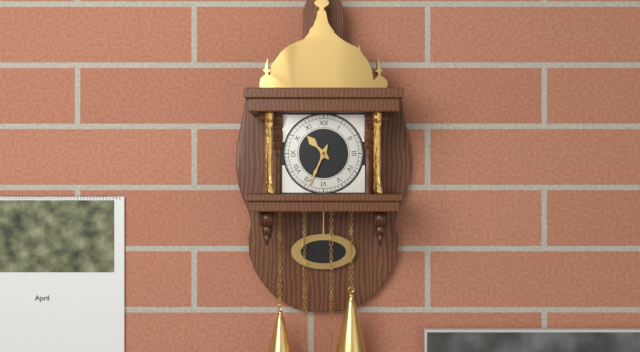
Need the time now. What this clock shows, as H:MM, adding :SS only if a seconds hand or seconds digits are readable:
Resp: 10:34
